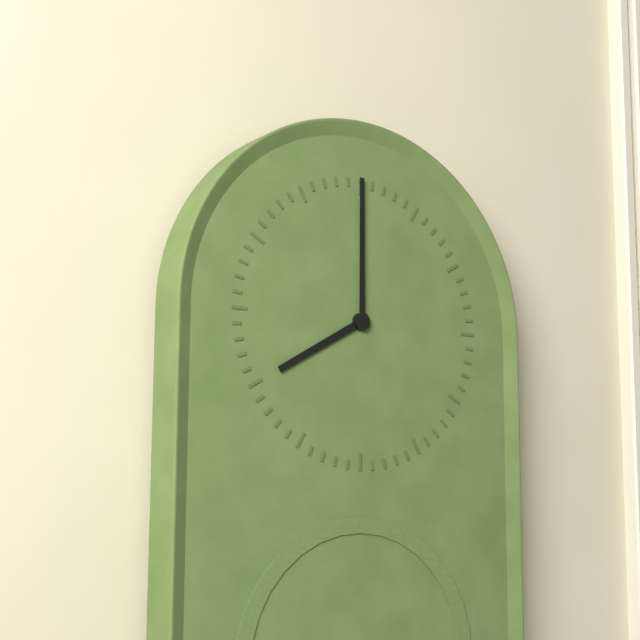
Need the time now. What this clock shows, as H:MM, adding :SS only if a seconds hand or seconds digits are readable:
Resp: 8:00
